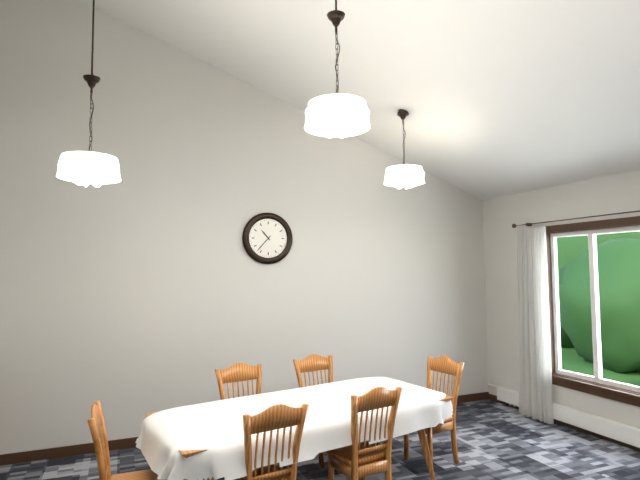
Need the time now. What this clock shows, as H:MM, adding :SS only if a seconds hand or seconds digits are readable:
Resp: 10:37
